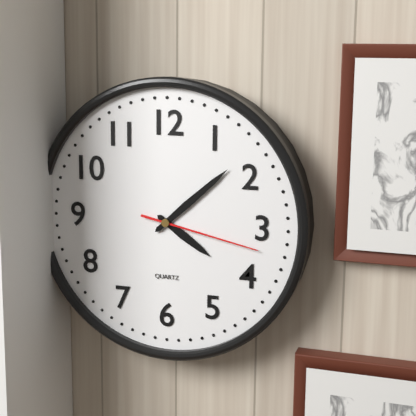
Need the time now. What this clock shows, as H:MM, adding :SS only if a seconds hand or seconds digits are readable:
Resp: 4:08:17
